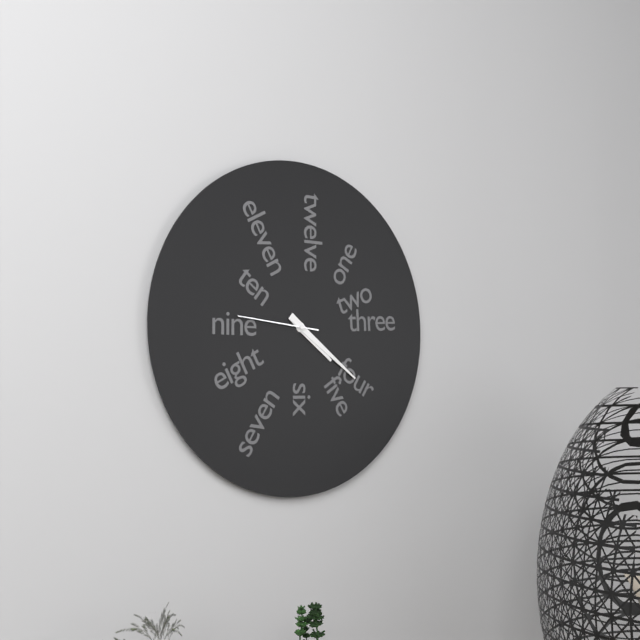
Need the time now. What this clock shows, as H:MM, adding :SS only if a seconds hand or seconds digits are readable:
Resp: 4:21:46
